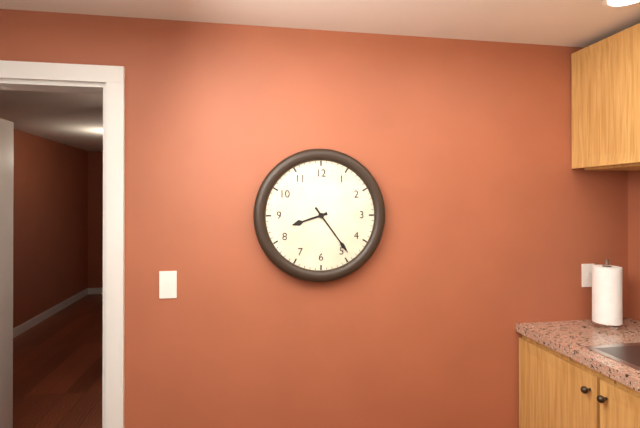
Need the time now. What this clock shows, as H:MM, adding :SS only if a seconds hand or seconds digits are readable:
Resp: 8:24
